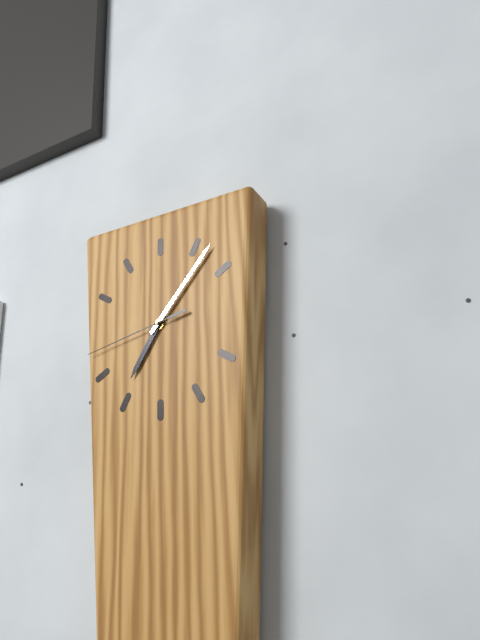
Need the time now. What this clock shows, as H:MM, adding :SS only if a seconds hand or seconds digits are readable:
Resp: 7:07:43
